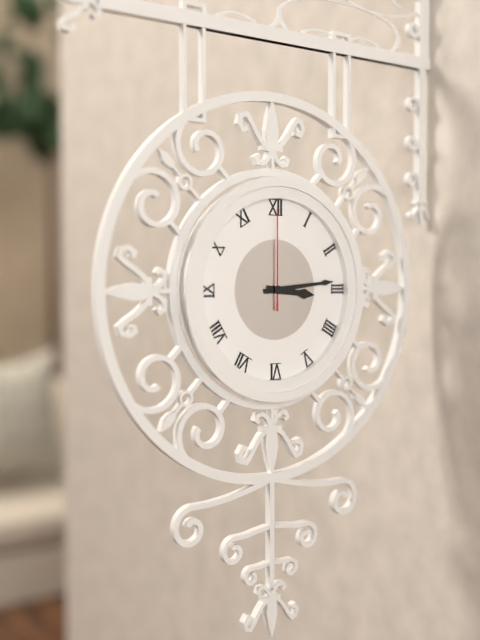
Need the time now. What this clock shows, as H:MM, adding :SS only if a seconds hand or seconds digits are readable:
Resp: 3:14:00
